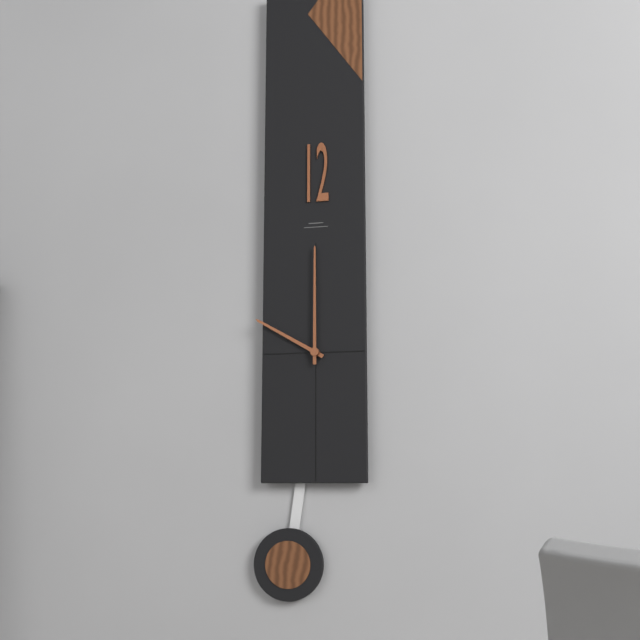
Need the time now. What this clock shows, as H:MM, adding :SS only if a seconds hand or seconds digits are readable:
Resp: 10:00
